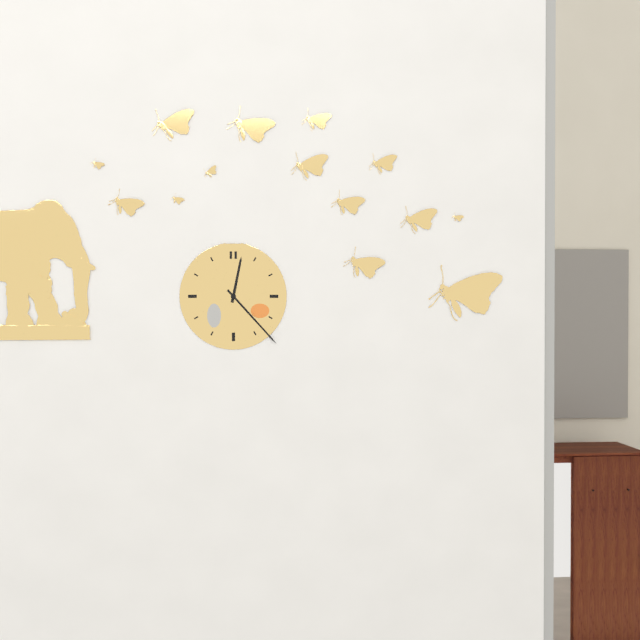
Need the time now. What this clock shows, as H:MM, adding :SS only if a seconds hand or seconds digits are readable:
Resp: 12:23
